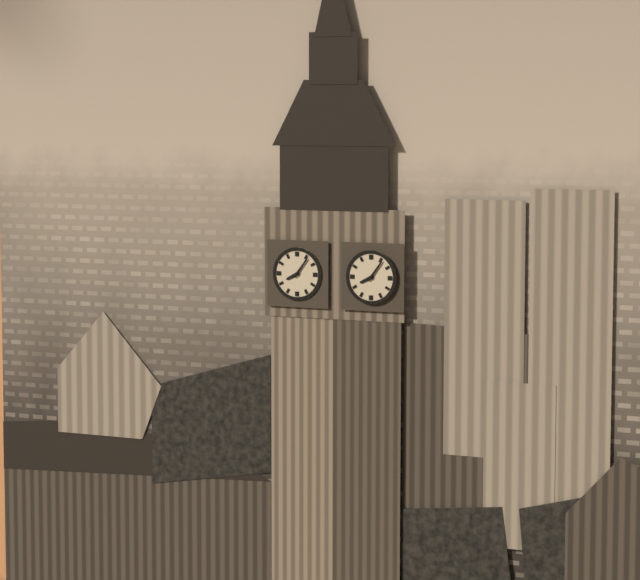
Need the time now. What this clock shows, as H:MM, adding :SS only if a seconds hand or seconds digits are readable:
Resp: 8:06
